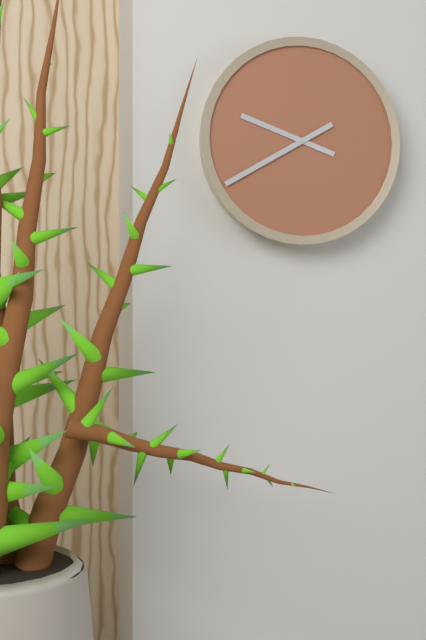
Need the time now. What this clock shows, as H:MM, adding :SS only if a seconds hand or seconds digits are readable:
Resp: 9:40
